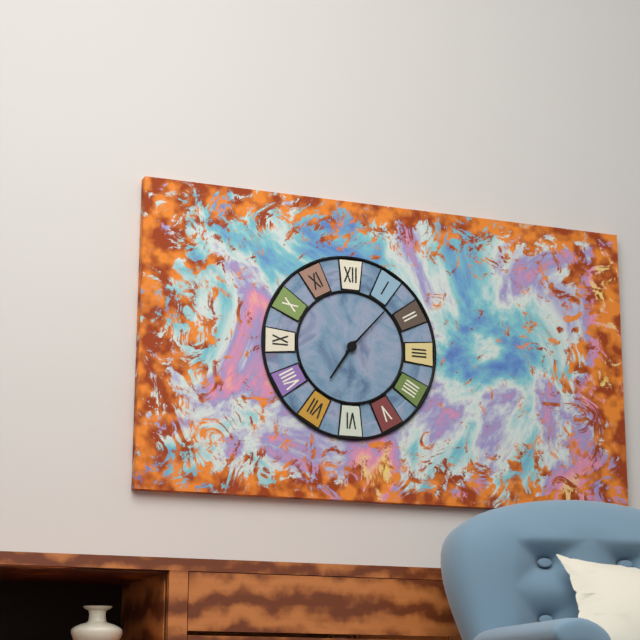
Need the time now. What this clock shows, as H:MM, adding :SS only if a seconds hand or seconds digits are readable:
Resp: 7:07
